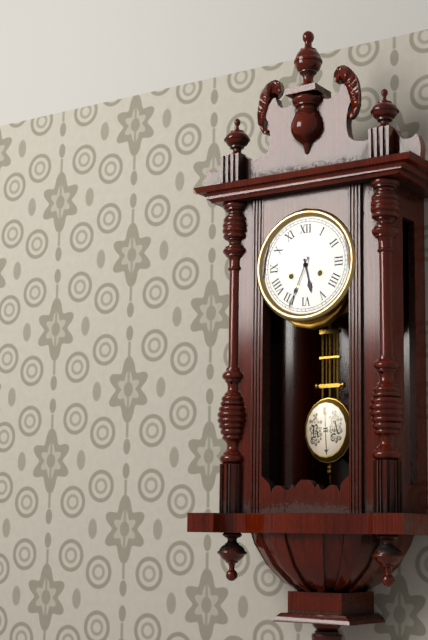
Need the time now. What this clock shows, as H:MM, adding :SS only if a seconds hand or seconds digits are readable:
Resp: 5:34
